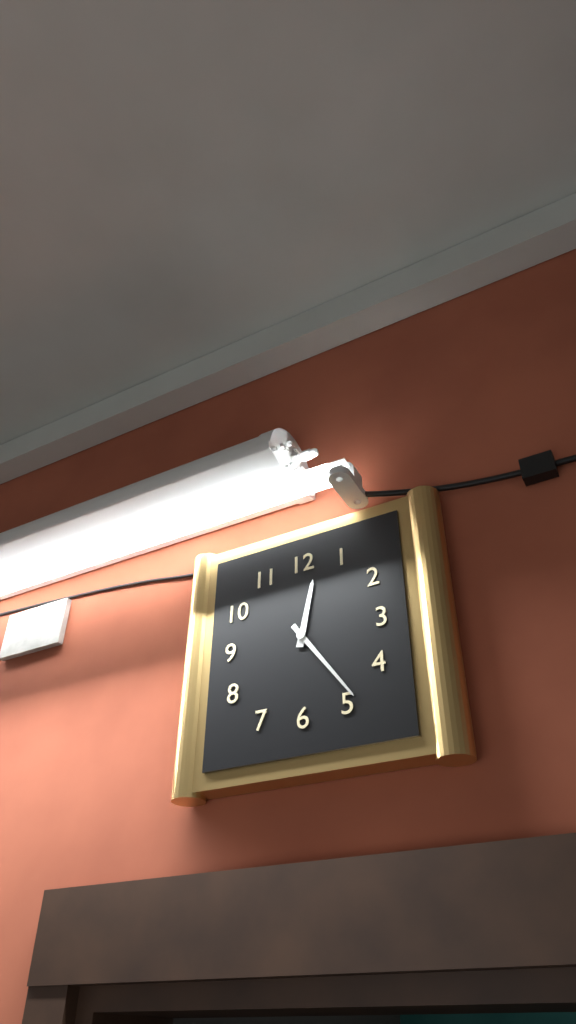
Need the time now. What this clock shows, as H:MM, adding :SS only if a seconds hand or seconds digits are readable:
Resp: 12:24
